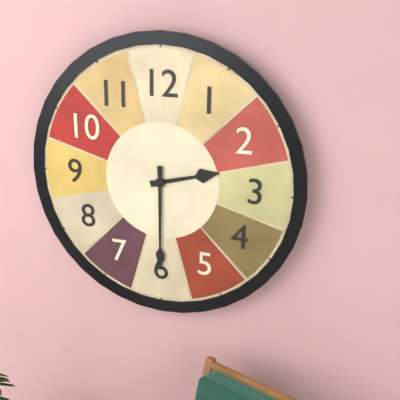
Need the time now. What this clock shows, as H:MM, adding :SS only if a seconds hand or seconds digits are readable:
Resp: 2:30
